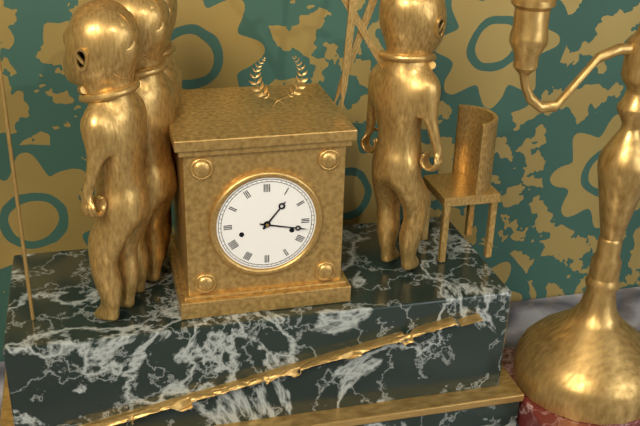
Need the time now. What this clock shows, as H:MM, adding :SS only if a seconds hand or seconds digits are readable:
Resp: 1:17
